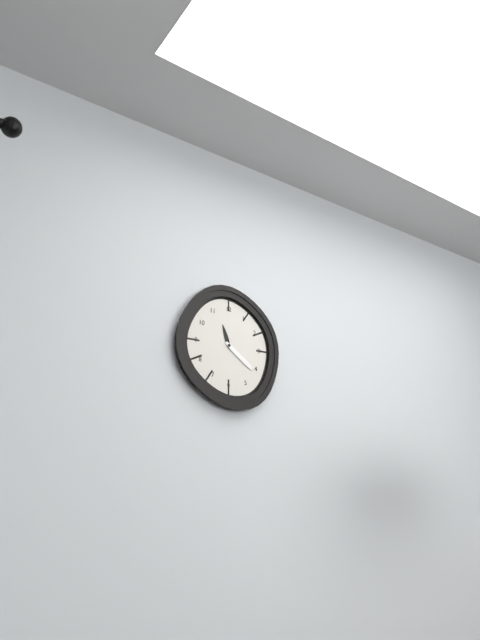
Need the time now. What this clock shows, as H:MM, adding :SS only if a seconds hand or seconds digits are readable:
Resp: 11:21
